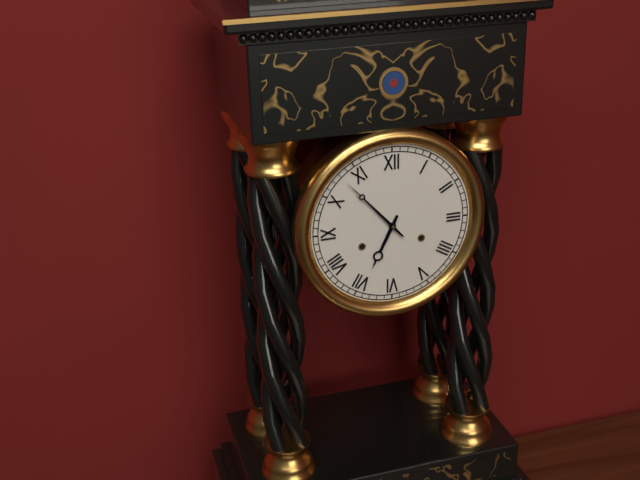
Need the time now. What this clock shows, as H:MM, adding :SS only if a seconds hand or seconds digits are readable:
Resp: 6:53
